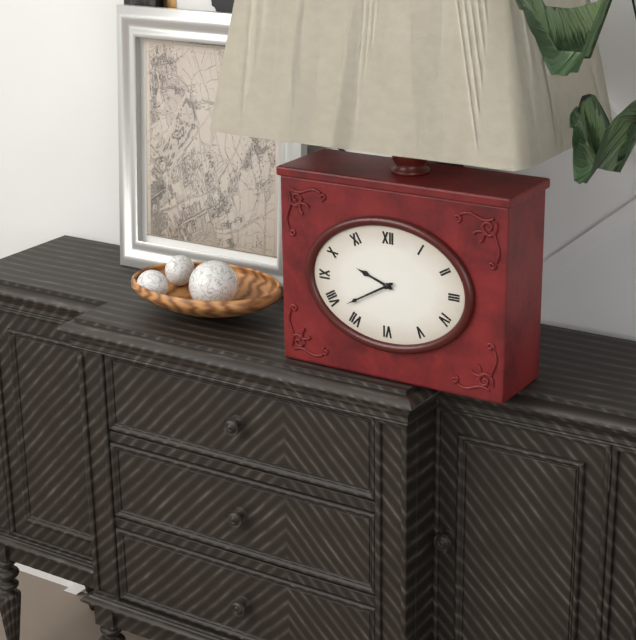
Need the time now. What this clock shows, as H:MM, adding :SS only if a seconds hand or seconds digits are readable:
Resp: 9:40
